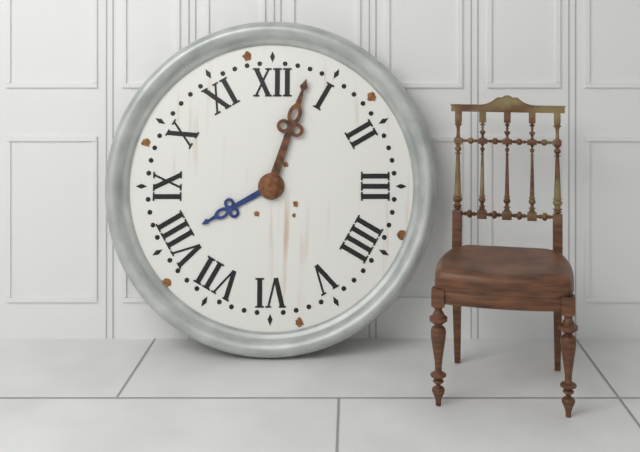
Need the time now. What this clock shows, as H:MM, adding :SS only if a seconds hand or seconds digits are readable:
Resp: 8:03
